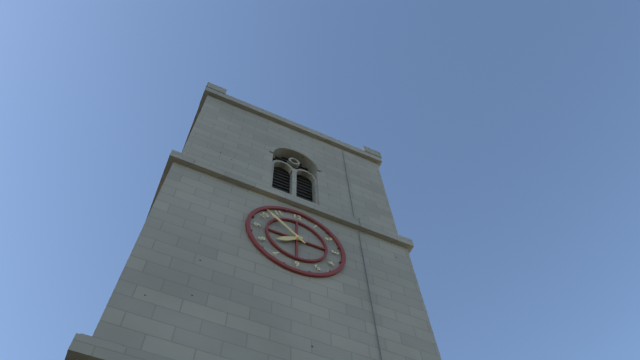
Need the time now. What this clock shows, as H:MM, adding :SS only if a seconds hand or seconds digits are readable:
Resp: 7:52
